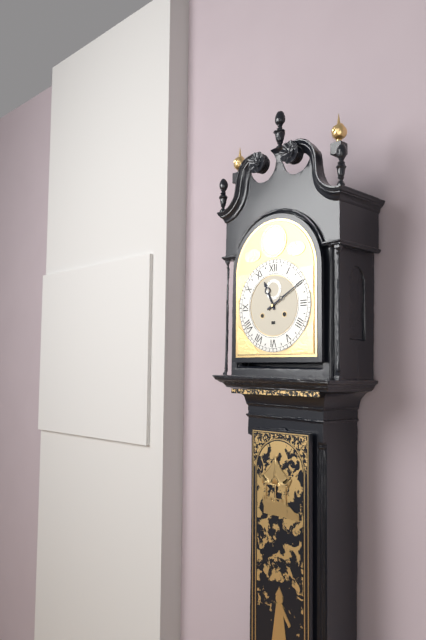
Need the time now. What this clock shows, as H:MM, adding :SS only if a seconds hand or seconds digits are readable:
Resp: 11:10
